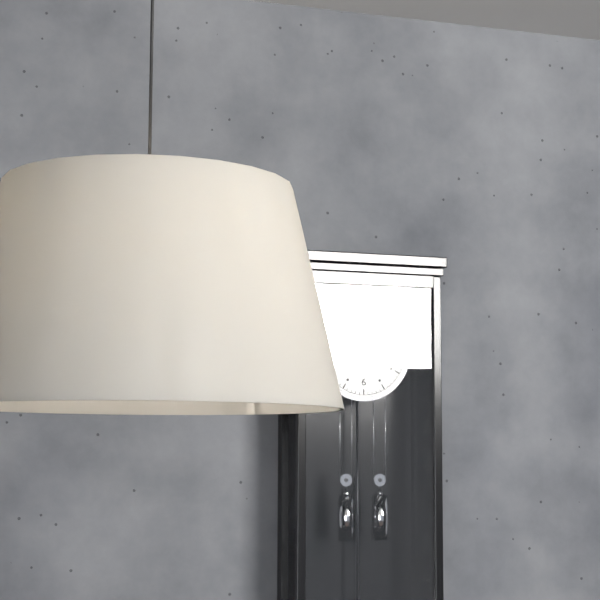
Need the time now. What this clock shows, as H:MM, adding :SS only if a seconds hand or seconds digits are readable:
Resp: 8:03
